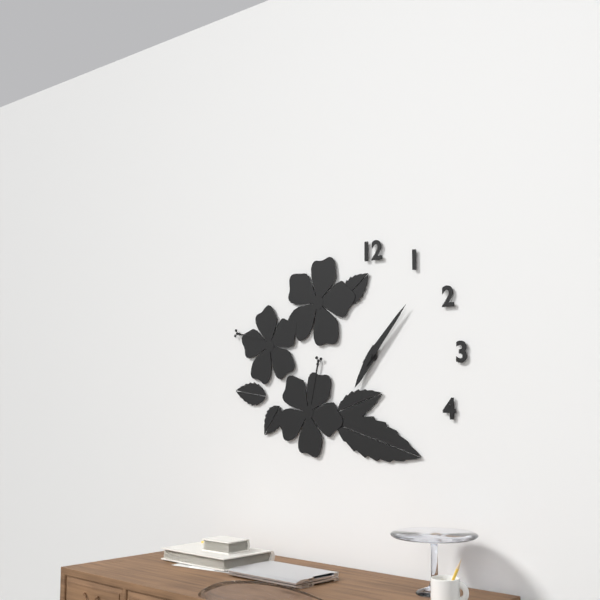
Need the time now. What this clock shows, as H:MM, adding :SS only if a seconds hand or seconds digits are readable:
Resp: 7:07
